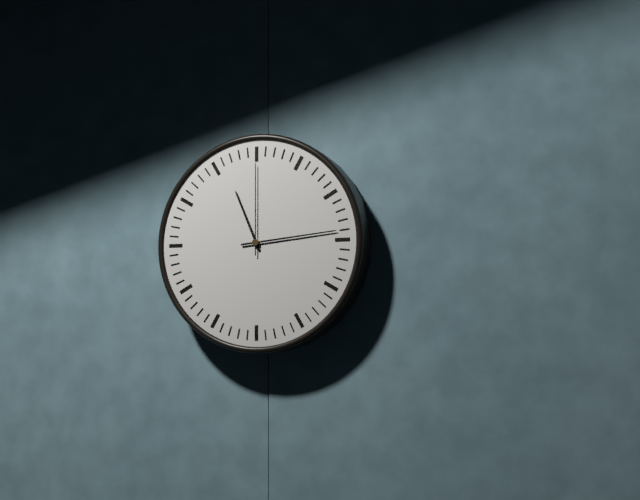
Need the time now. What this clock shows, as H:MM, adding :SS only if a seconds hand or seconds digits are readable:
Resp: 11:14:00
